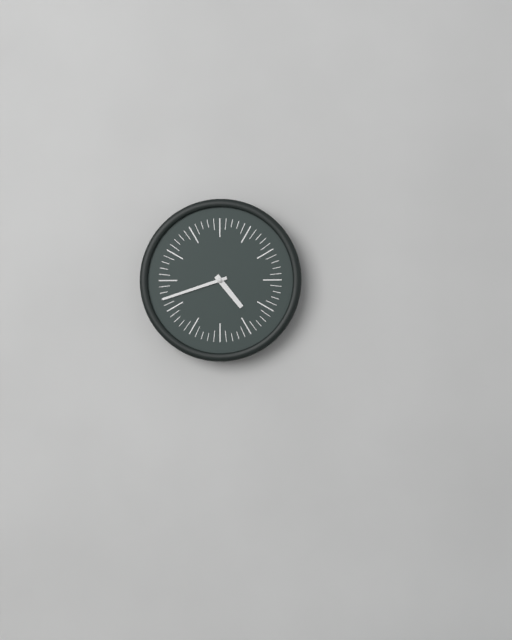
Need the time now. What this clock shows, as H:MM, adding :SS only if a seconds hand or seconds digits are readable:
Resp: 4:42
